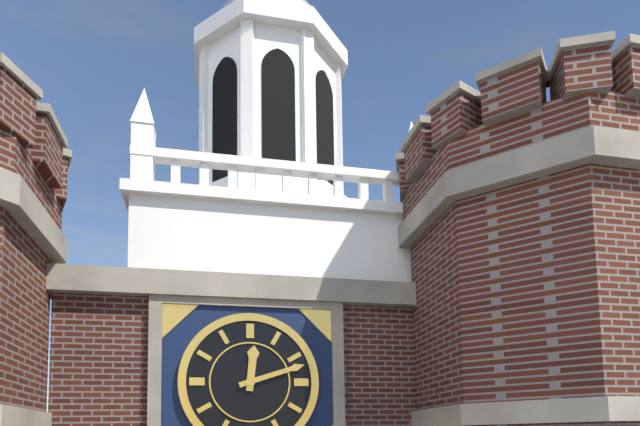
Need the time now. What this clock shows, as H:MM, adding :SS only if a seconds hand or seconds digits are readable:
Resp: 12:12
